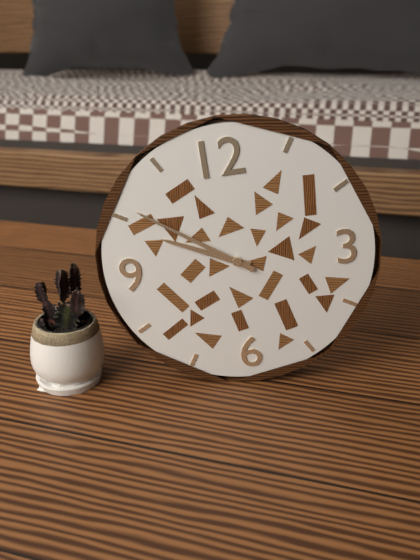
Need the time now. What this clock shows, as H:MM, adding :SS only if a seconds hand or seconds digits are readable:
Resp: 9:51
